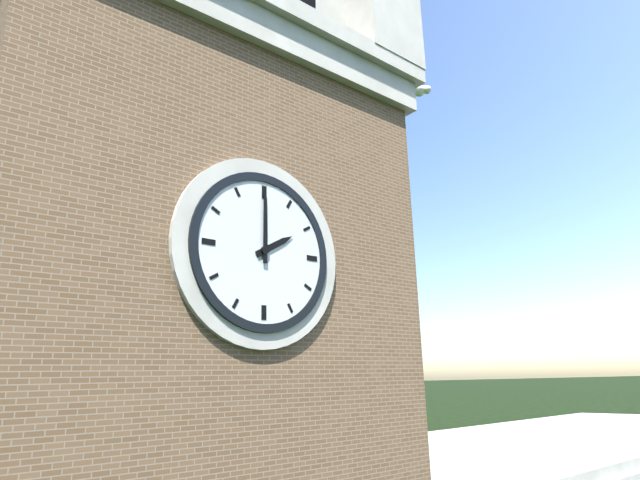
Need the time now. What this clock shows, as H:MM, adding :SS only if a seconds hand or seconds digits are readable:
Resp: 2:00
